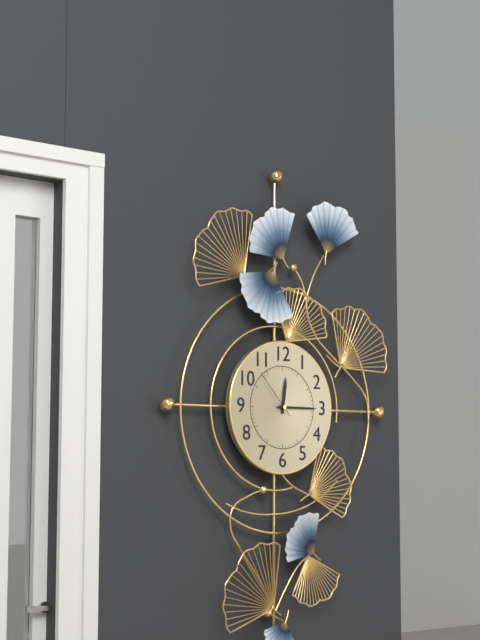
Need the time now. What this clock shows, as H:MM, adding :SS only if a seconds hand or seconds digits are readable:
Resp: 12:15:53
